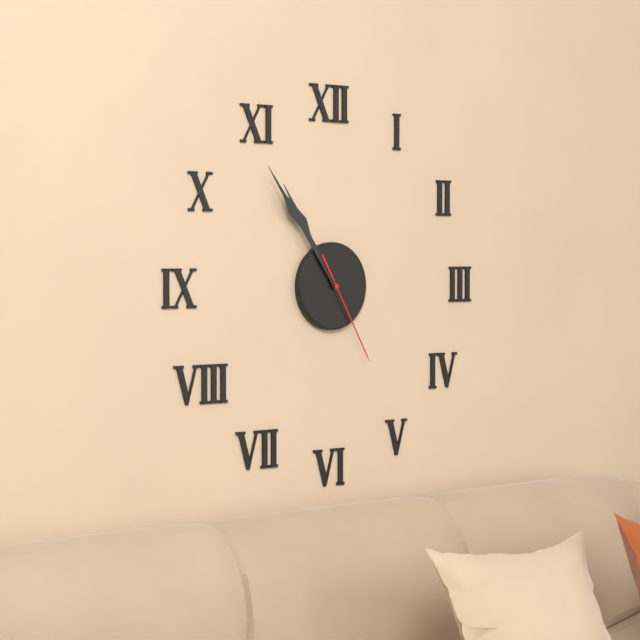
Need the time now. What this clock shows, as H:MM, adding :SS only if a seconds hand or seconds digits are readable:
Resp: 10:54:25
